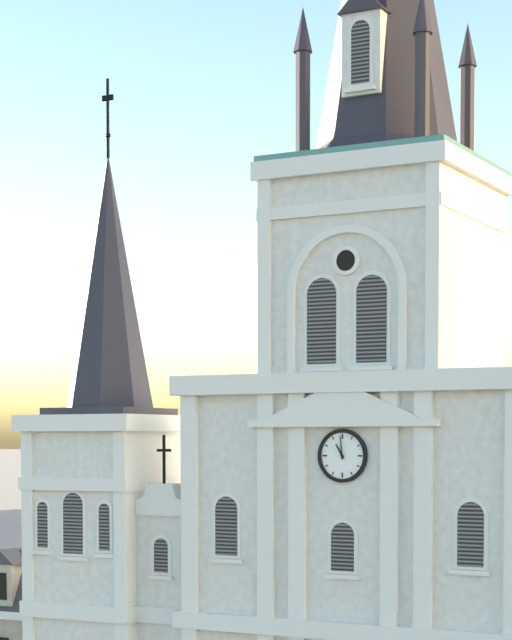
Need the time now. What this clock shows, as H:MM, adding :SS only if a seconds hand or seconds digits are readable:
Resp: 10:59
